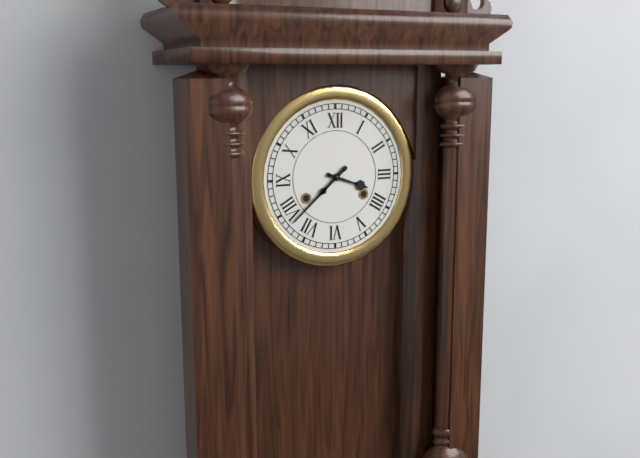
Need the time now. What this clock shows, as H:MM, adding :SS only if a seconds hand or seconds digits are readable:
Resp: 3:38
